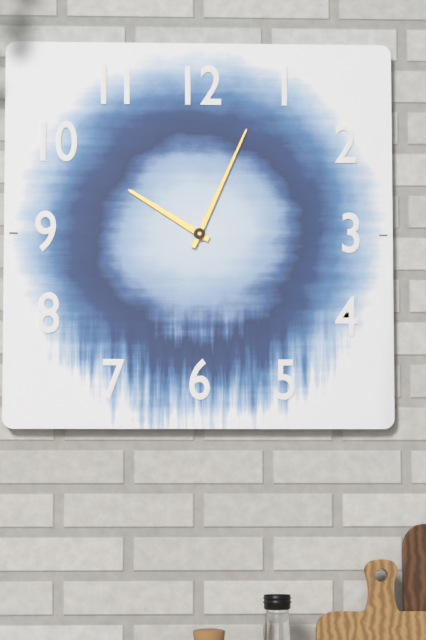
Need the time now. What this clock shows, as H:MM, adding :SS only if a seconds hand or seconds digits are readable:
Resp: 10:04
